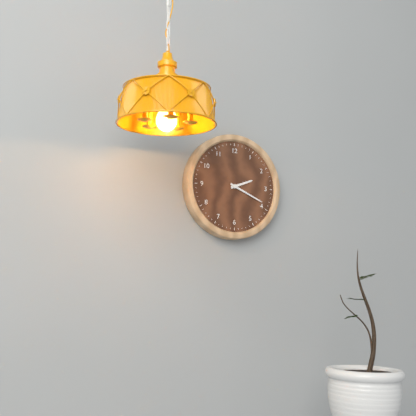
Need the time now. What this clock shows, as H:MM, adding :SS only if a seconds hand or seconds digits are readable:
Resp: 2:19
